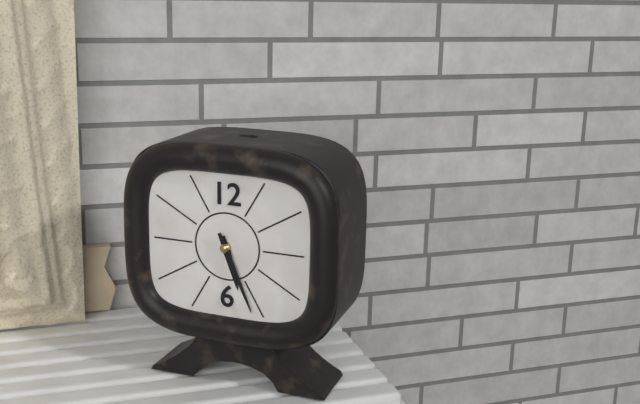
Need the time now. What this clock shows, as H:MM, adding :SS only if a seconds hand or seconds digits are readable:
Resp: 5:26
